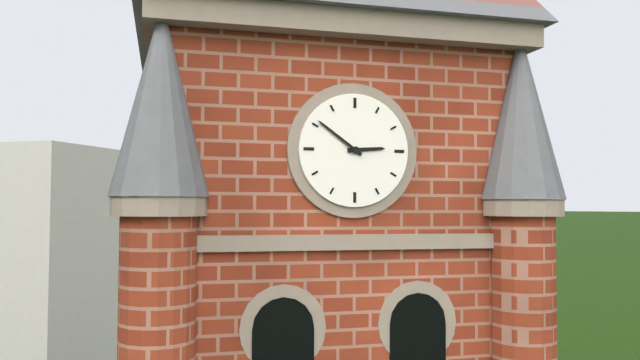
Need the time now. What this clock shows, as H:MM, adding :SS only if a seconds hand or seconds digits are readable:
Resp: 2:51
